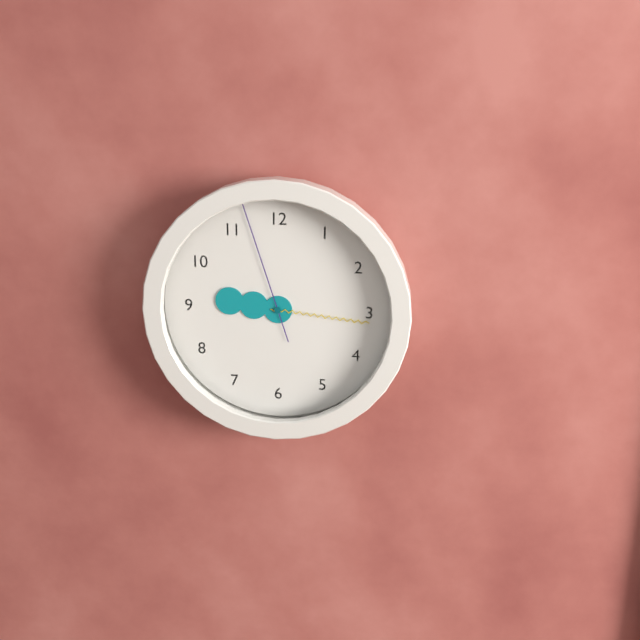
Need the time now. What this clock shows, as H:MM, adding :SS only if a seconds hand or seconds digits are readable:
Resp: 9:16:57
